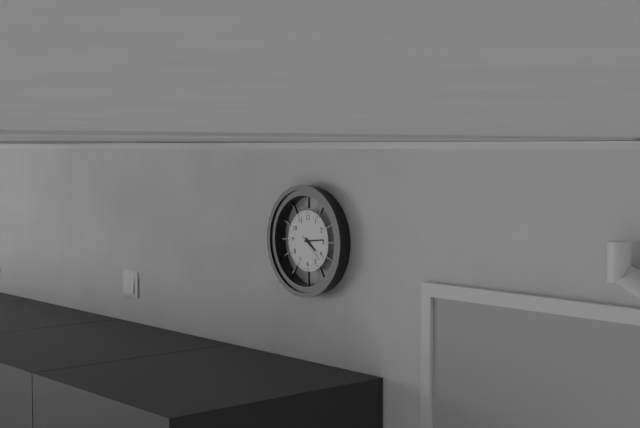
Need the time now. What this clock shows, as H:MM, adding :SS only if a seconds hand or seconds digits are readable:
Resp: 4:14
